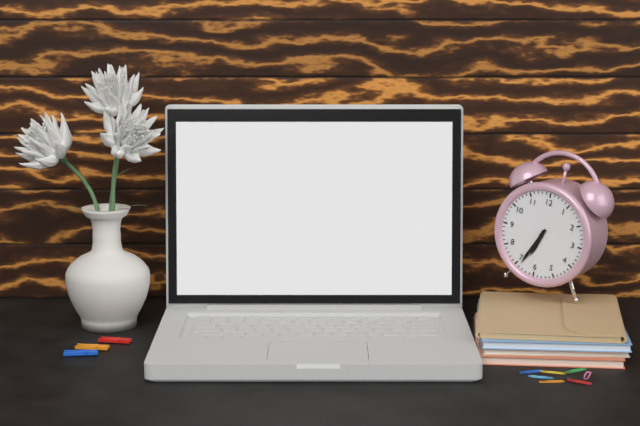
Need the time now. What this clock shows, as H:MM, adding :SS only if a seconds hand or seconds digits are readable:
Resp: 6:34
